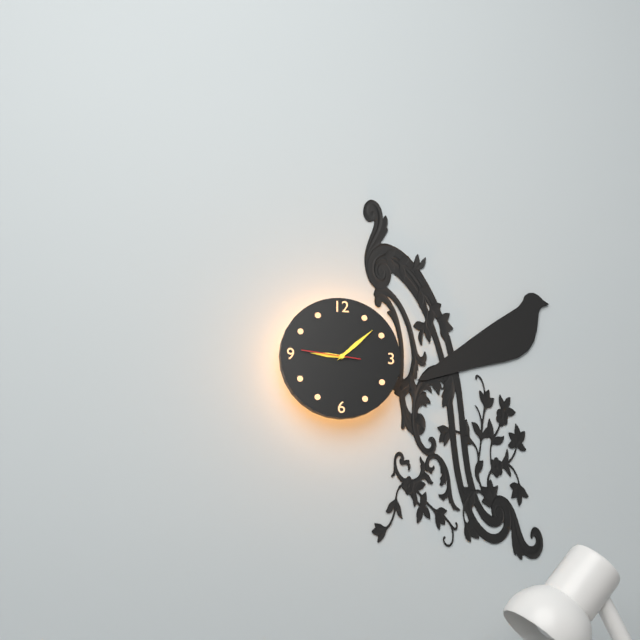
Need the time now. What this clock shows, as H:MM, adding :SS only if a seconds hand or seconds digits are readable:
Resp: 9:08
